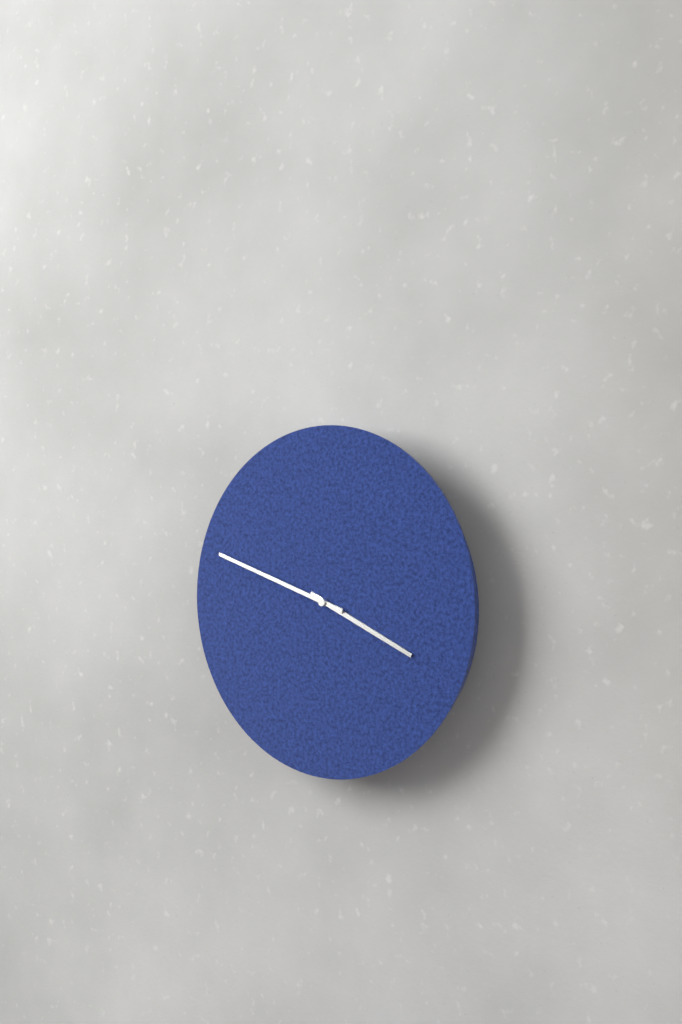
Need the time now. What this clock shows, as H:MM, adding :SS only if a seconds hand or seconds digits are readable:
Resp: 3:48
